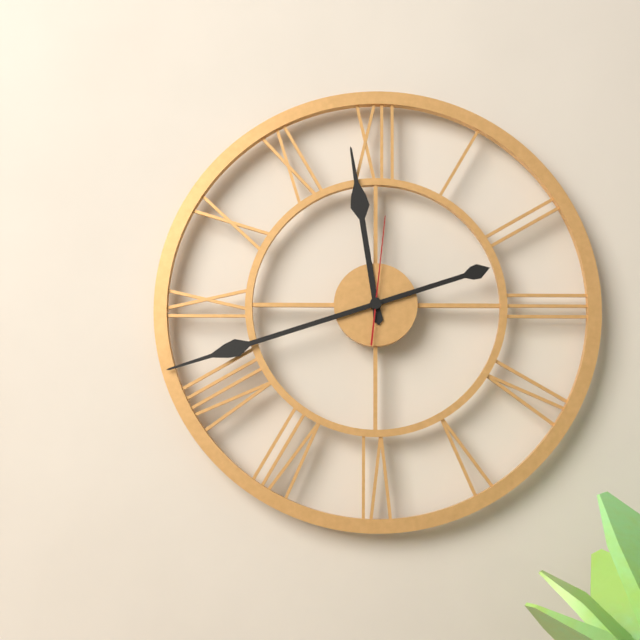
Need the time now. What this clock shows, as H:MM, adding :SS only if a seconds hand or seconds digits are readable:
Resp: 11:42:01
